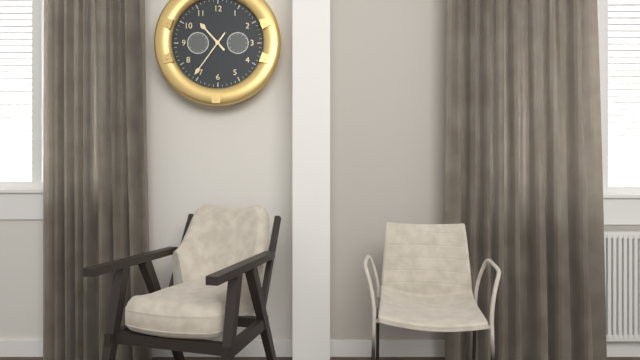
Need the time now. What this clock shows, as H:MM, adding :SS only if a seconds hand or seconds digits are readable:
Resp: 10:36
